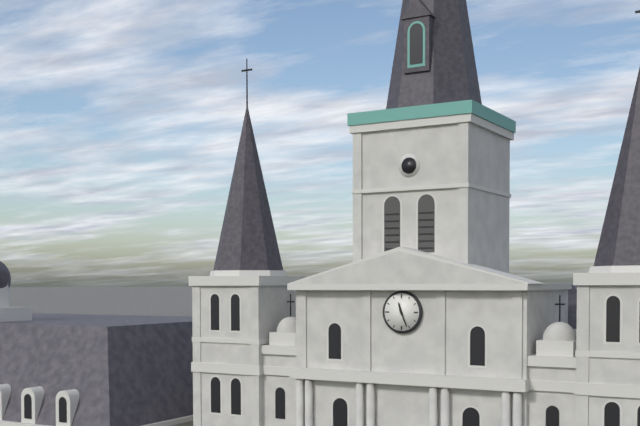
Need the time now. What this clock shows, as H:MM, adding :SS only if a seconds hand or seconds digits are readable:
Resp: 11:26
